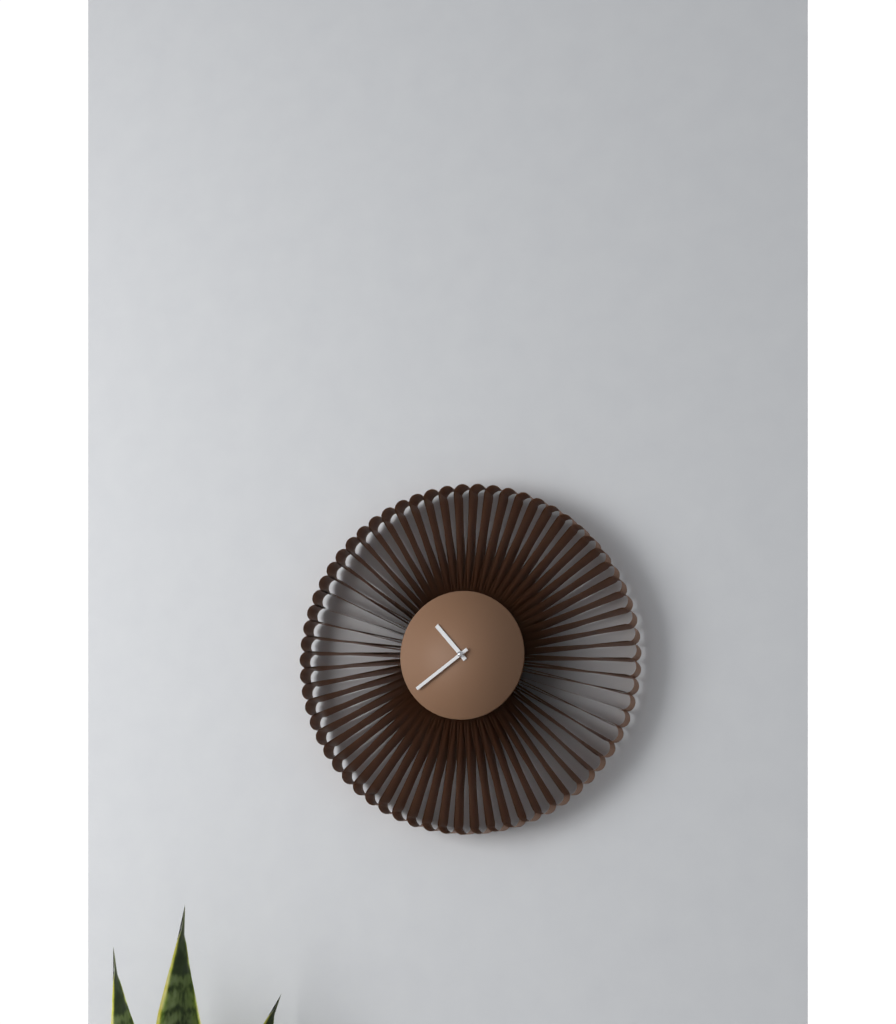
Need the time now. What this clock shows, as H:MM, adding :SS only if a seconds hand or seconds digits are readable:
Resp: 10:39
